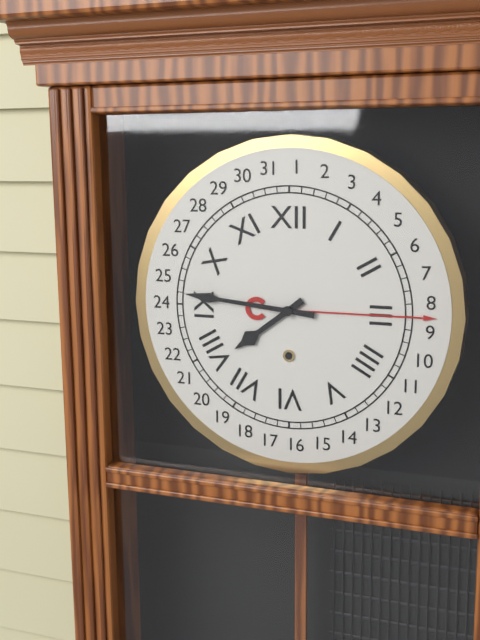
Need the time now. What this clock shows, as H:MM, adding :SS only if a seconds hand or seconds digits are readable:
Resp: 7:46
